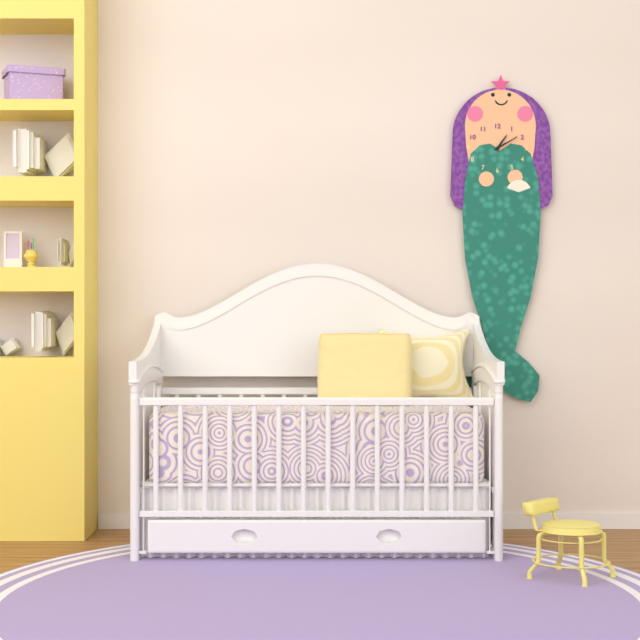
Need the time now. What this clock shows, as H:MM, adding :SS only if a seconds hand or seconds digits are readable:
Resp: 1:10
